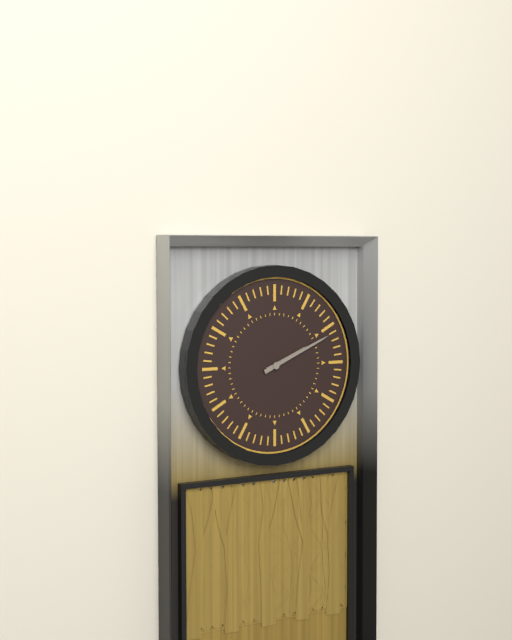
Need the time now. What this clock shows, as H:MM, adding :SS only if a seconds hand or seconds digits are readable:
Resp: 2:11
